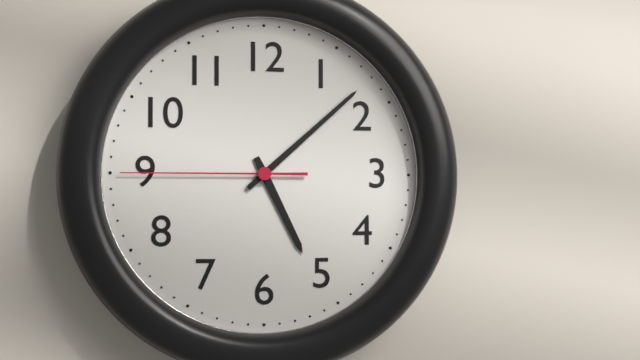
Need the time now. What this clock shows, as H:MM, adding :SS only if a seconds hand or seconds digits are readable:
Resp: 5:08:45
